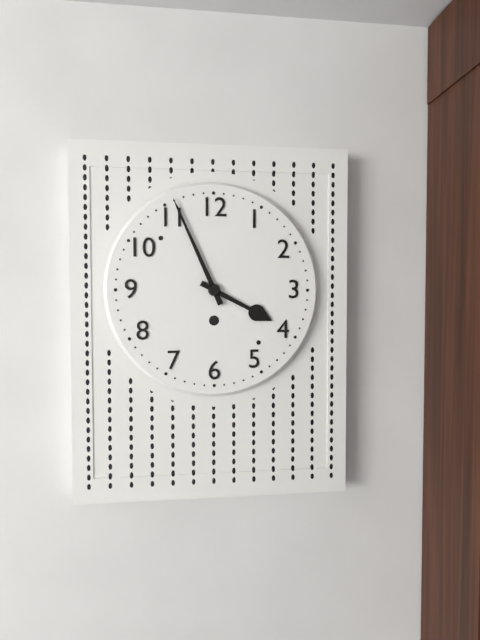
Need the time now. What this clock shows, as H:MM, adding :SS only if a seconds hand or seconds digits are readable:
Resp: 3:56
